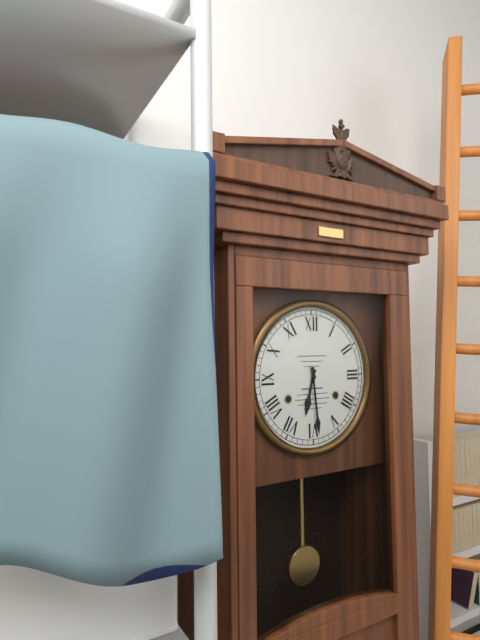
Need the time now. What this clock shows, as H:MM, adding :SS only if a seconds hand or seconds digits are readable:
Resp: 6:29
